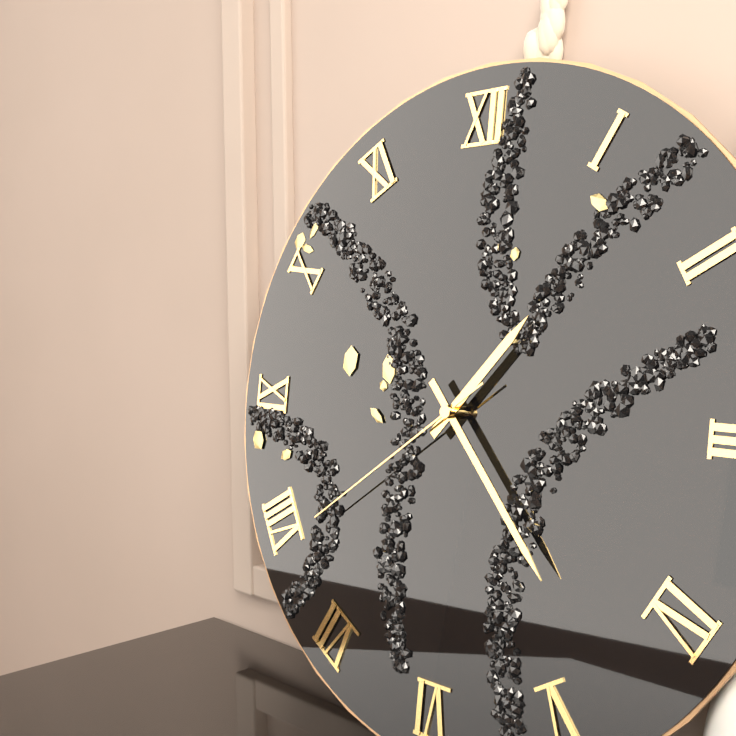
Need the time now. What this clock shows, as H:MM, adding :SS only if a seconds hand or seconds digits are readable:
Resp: 1:23:39
